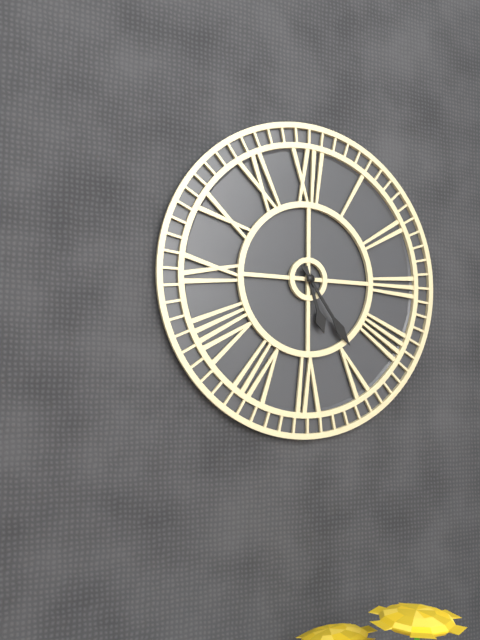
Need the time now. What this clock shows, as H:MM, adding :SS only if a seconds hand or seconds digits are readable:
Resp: 5:24
